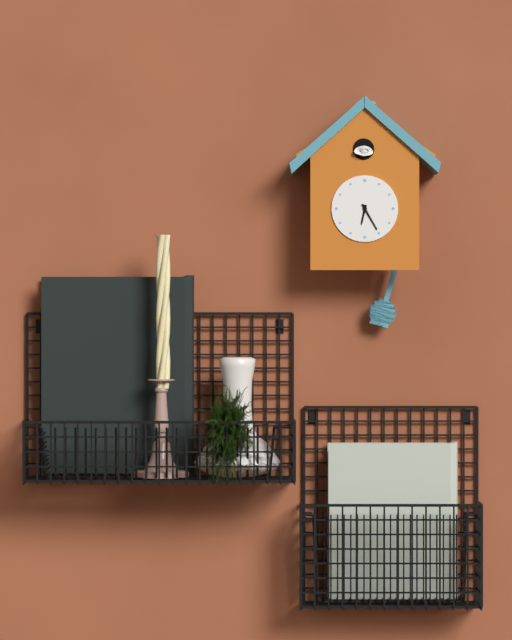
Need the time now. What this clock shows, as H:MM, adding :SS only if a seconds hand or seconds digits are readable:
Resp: 6:25
